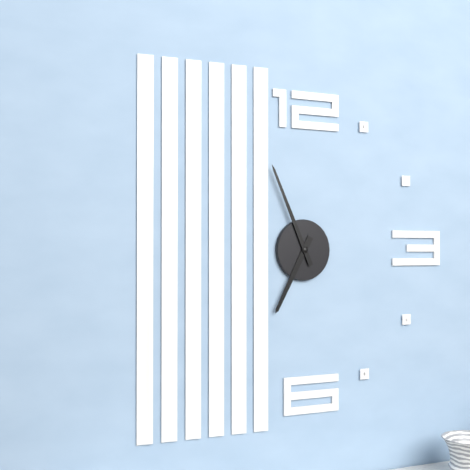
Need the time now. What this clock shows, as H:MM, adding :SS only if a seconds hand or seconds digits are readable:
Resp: 6:56
